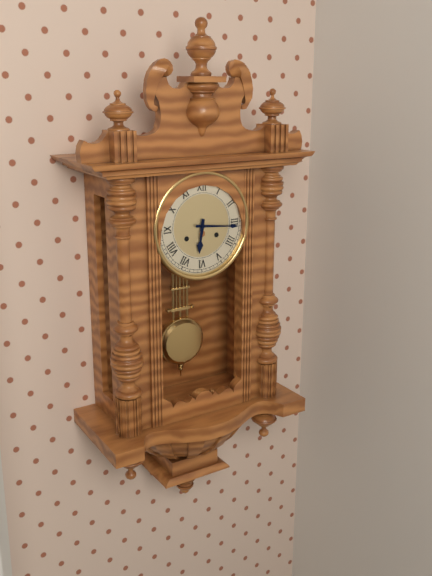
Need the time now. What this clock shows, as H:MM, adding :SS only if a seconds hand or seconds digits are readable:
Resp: 6:16
